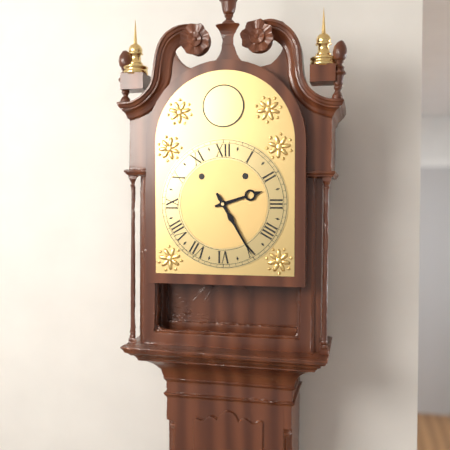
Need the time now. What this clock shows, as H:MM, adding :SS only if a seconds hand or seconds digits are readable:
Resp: 2:25
